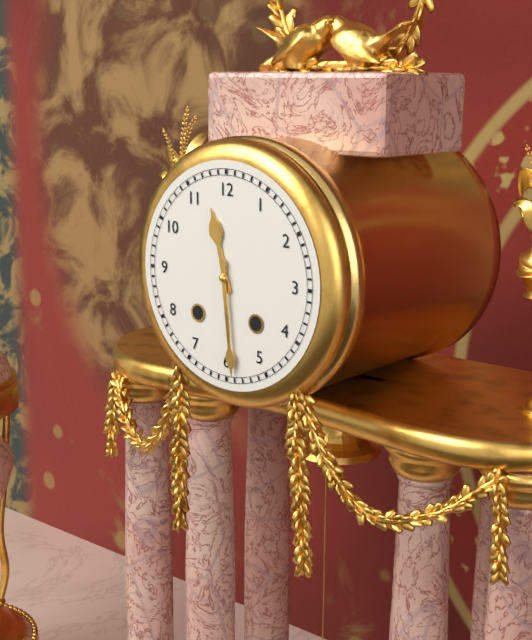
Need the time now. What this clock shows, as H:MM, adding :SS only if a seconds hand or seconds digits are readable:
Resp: 11:29
